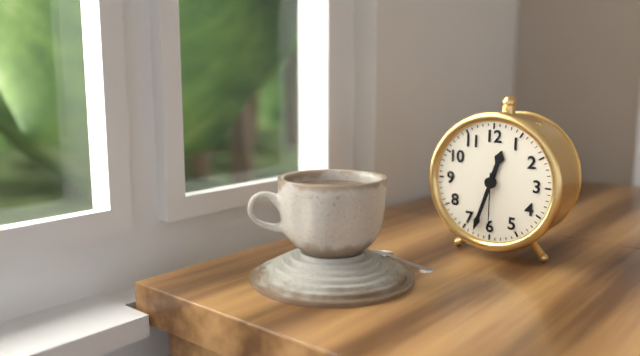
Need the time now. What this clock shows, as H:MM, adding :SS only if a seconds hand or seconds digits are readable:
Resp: 12:33:30
